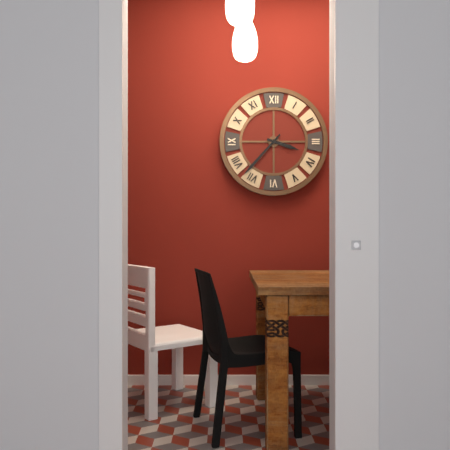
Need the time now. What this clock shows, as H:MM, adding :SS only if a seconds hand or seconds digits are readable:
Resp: 3:37
